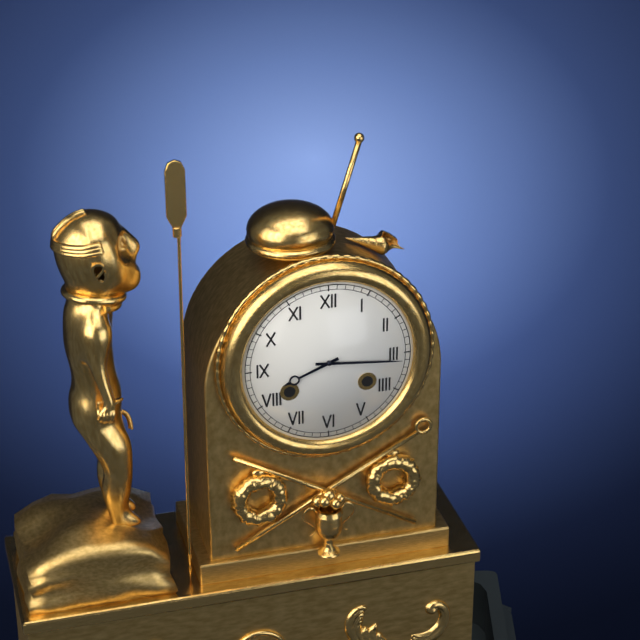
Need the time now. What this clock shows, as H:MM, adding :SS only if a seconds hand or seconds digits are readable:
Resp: 8:16
